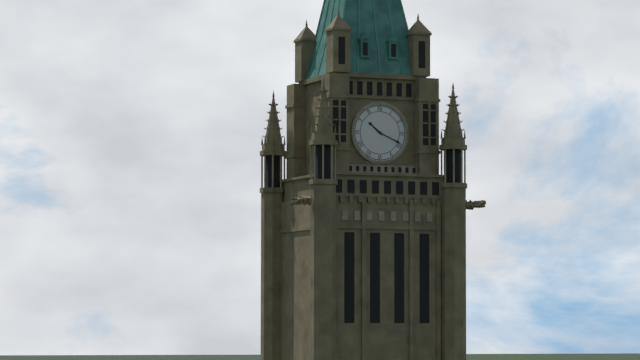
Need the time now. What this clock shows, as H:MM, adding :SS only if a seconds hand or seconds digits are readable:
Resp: 10:19
